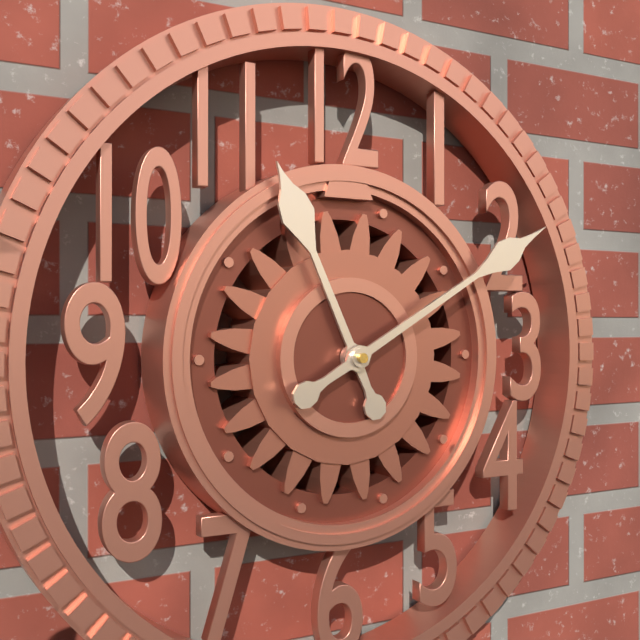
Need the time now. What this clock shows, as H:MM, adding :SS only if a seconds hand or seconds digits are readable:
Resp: 11:10
